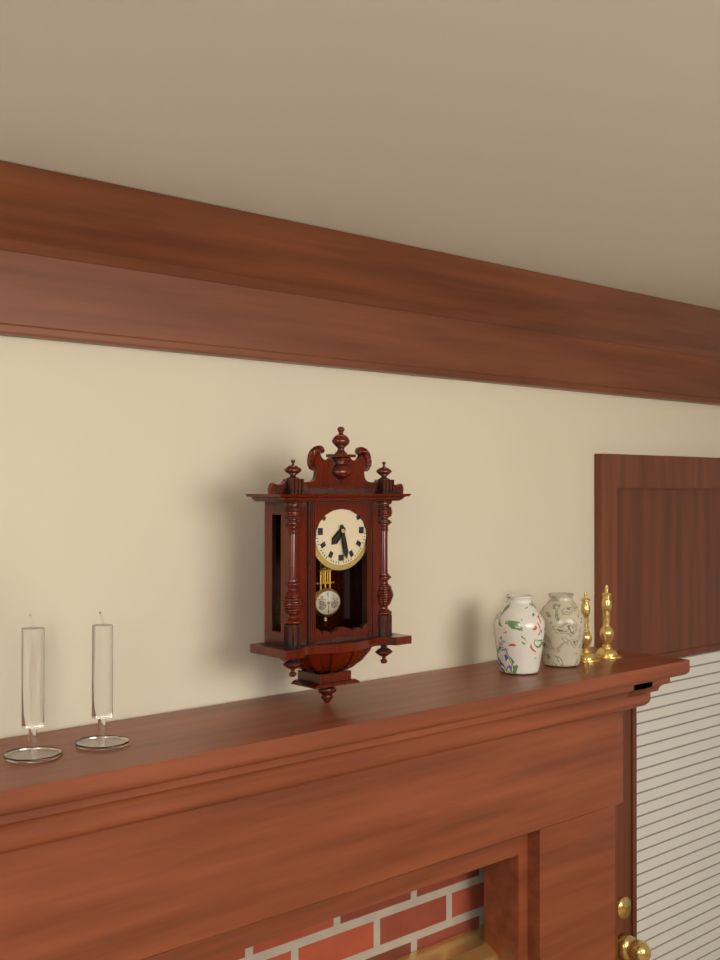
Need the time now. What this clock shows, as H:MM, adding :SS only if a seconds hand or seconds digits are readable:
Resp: 7:28
